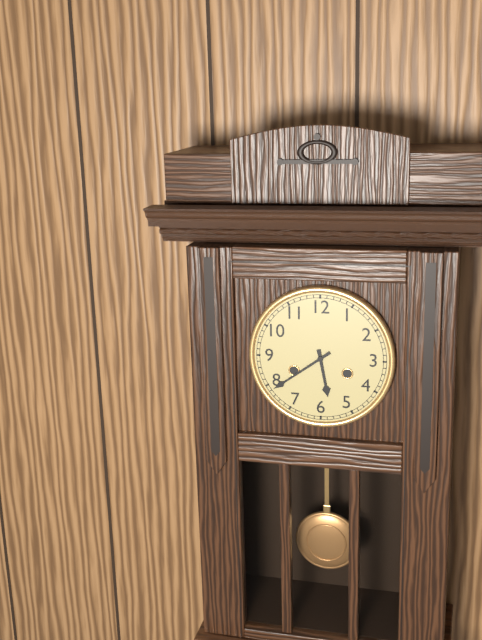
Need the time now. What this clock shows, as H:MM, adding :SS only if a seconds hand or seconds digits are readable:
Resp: 5:39
